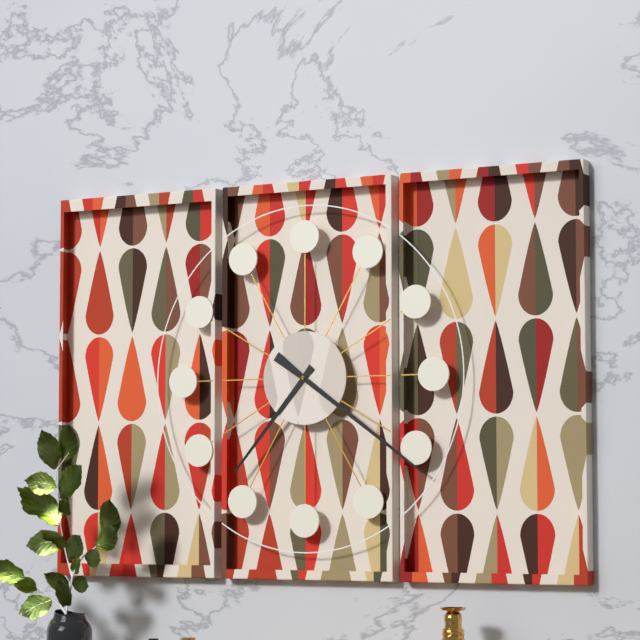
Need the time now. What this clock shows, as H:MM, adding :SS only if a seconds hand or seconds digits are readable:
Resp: 7:21
